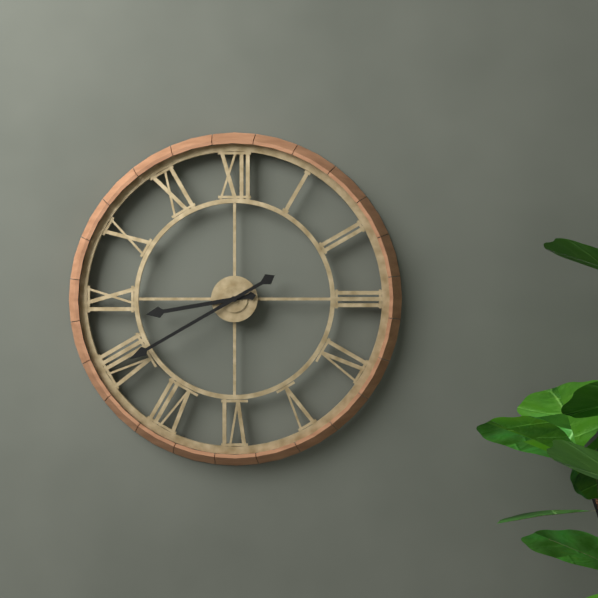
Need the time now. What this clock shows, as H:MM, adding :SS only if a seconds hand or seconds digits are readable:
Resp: 8:40
